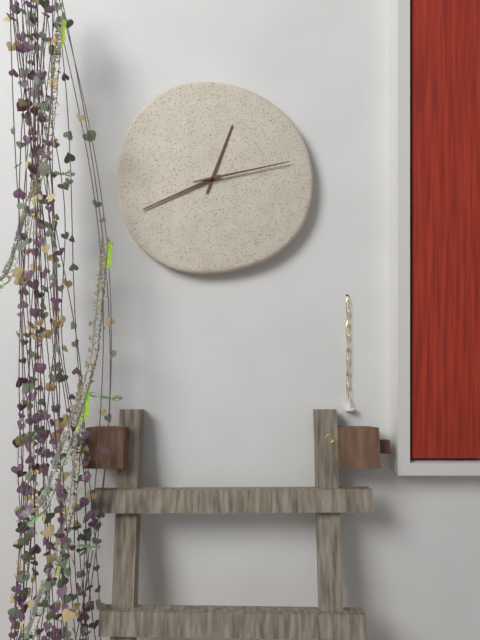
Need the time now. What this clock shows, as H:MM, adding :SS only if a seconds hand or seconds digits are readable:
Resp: 12:41:13
